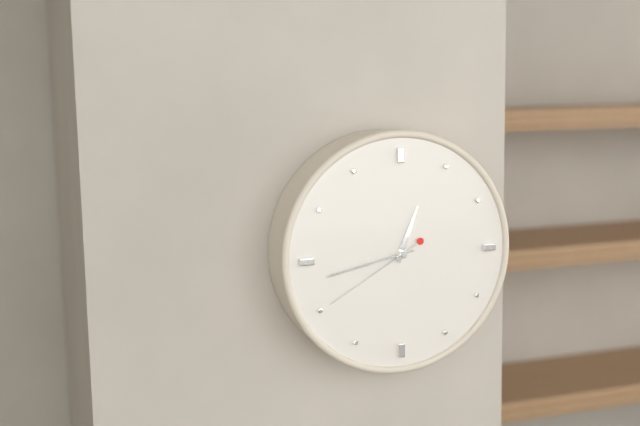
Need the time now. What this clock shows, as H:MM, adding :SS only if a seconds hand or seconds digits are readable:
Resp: 12:43:40
